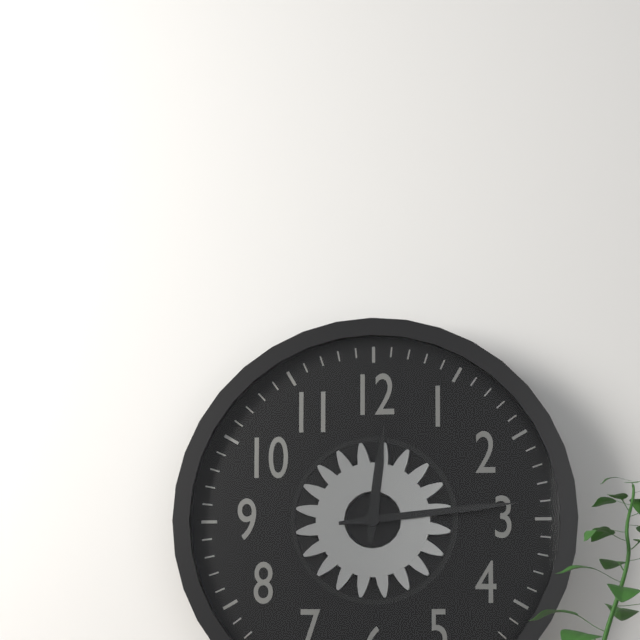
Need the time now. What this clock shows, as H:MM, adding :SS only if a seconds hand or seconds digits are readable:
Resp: 12:14
